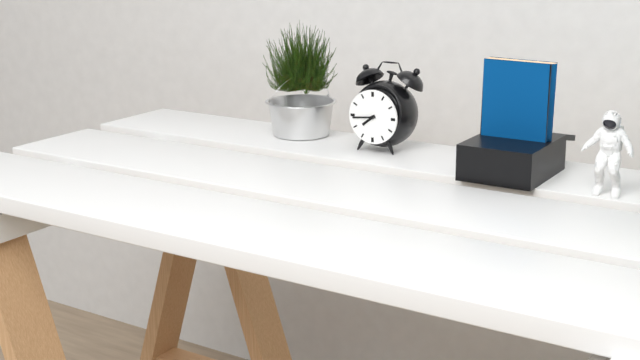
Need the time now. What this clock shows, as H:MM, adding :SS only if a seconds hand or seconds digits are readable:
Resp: 7:44
